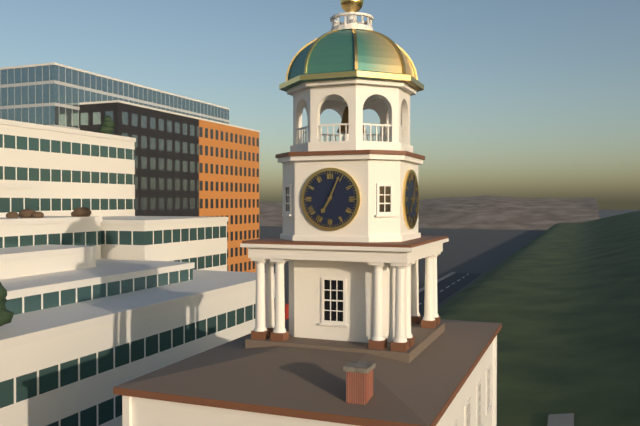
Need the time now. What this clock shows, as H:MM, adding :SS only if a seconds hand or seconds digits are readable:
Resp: 7:04
